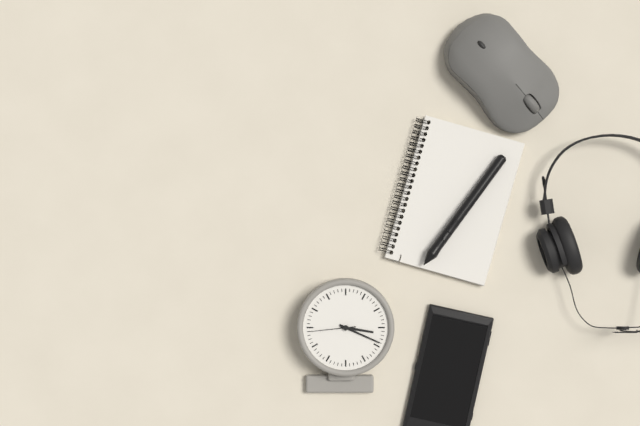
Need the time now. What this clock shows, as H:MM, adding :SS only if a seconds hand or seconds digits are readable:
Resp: 3:19
